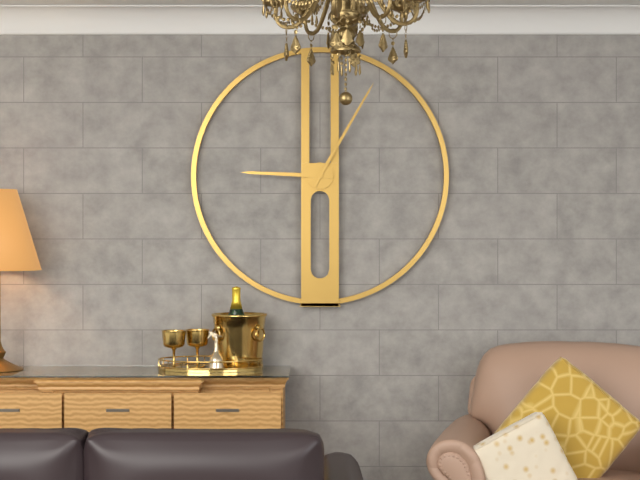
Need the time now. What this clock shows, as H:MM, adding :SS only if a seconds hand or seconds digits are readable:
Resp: 9:05
